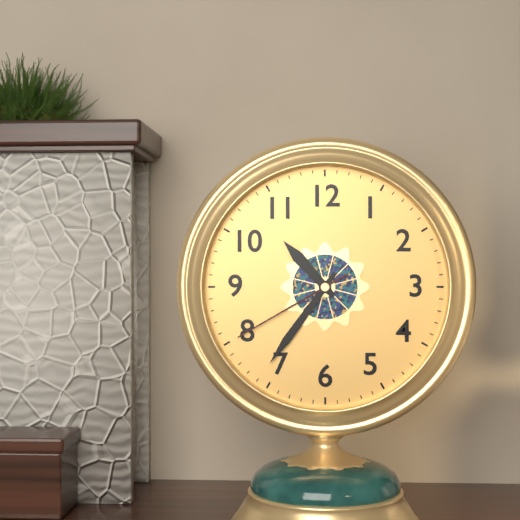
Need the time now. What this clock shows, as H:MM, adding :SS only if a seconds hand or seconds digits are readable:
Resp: 10:36:40
